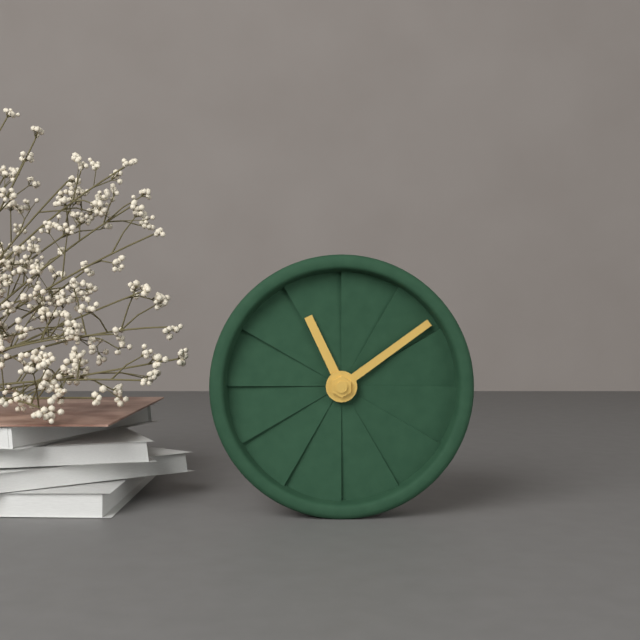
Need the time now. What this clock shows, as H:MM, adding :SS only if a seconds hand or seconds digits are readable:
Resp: 11:09
